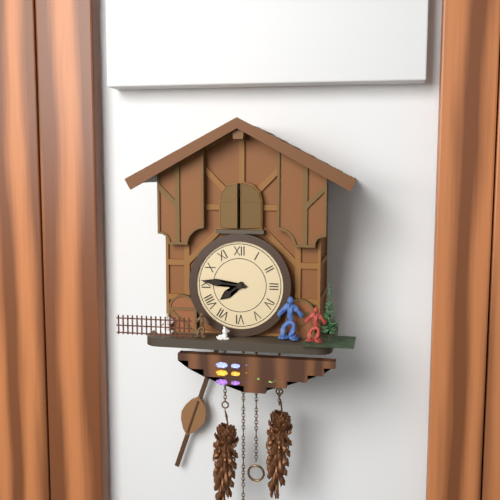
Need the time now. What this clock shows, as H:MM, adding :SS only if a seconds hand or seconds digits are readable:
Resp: 7:46
